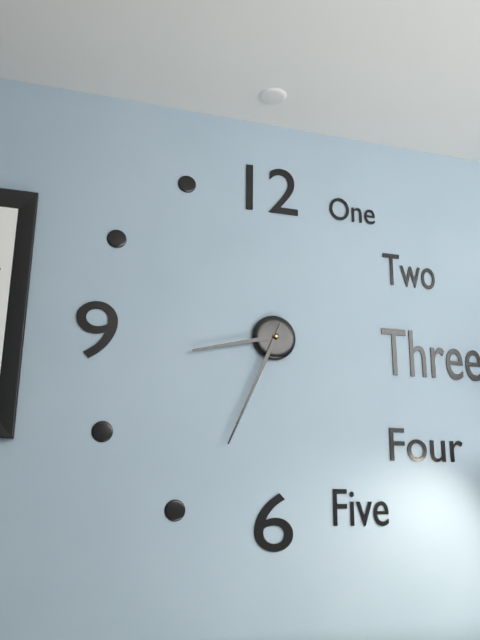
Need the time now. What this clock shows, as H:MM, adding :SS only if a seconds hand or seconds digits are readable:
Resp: 8:34
